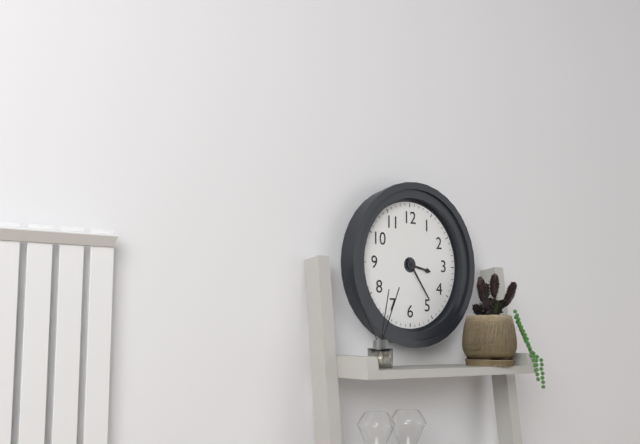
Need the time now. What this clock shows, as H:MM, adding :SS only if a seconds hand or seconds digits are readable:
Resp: 3:24
